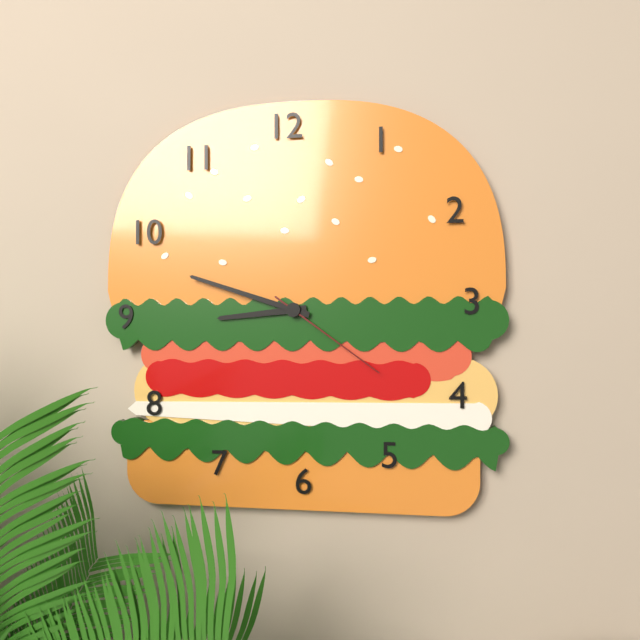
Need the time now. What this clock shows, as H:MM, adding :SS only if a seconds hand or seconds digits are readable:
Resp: 8:48:21
